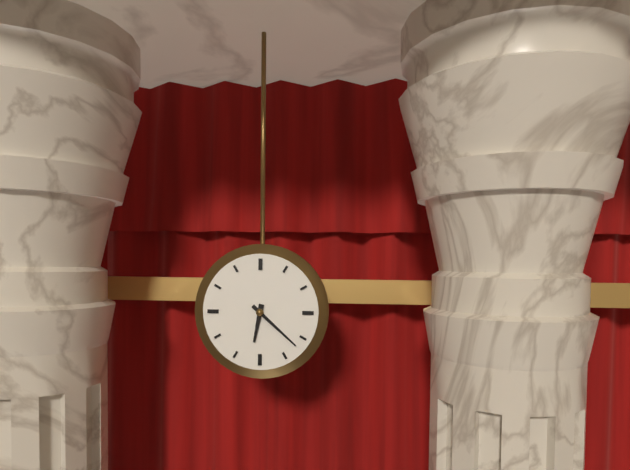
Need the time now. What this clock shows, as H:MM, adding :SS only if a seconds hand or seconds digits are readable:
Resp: 6:22
